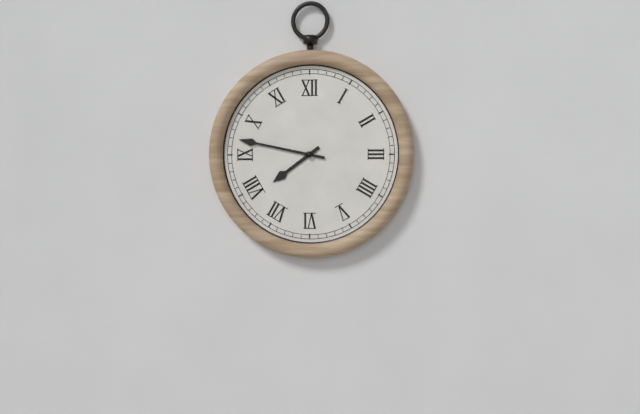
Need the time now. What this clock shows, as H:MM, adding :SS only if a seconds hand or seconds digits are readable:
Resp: 7:47
